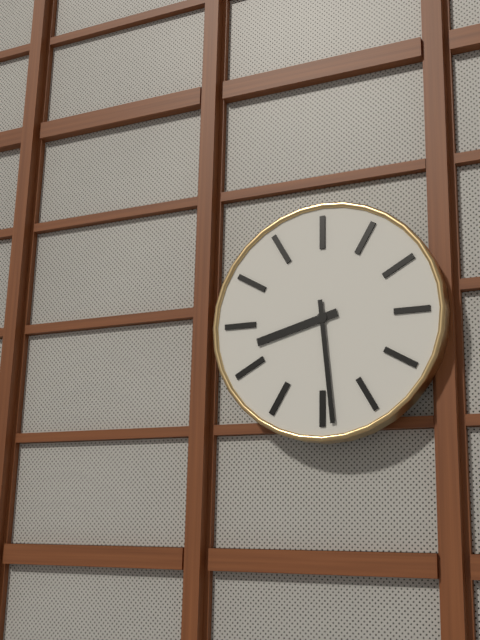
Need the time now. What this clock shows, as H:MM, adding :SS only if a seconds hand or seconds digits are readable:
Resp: 8:29
